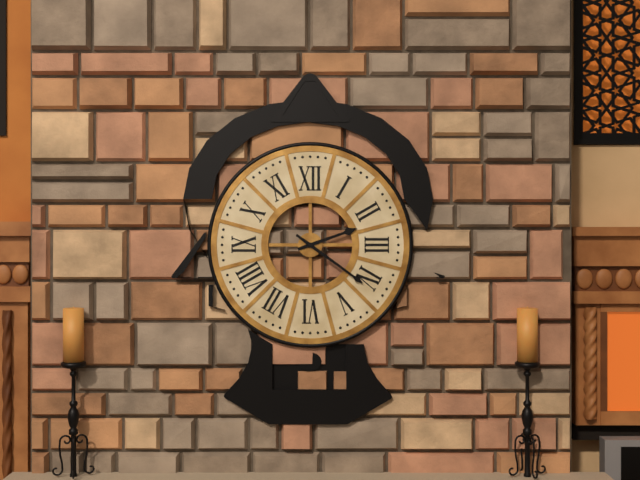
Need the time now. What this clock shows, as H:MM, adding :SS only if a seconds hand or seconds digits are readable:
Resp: 2:21
